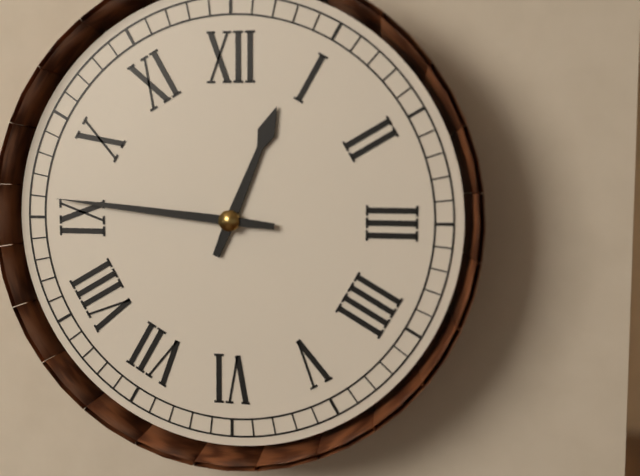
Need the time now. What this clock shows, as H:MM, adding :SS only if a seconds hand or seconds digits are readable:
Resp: 12:46
